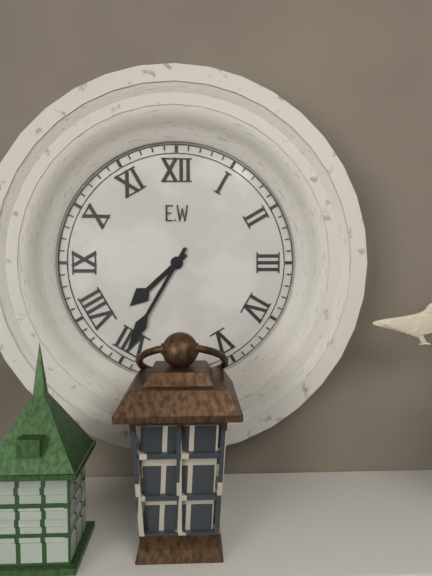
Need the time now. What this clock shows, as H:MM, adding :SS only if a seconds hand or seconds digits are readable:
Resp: 7:35
